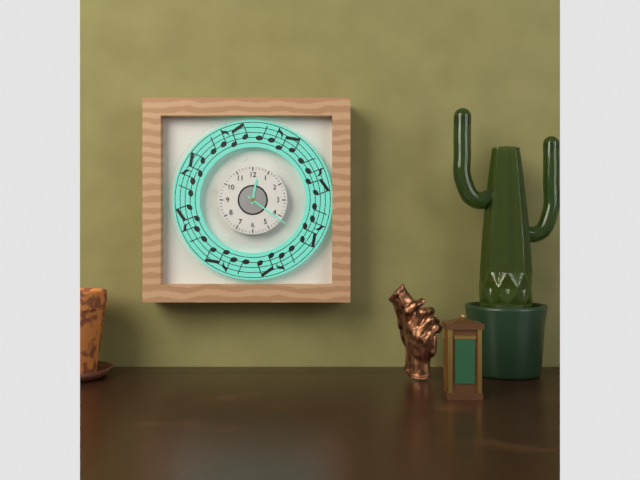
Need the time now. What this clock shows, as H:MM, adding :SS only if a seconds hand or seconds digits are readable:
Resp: 12:21
